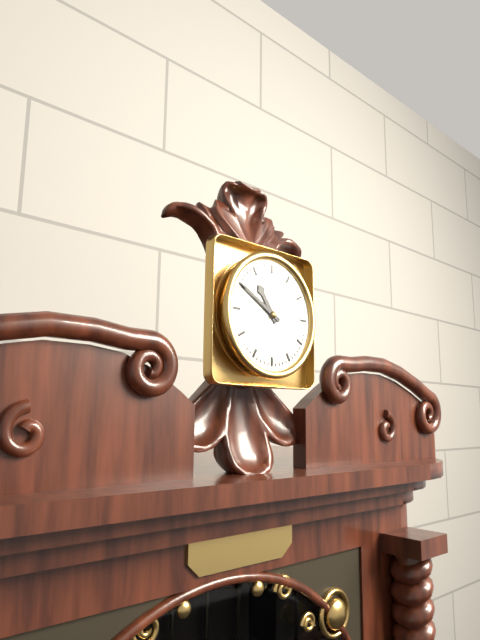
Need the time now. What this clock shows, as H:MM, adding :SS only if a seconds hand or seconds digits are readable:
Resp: 10:50
